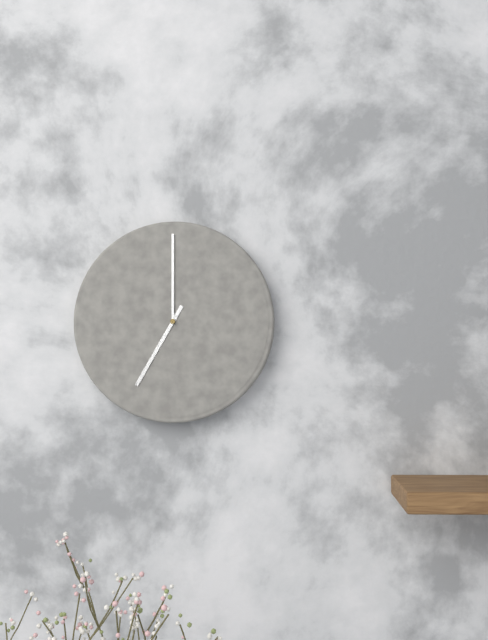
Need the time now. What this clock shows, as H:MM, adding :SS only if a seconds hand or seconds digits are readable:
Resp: 7:00
